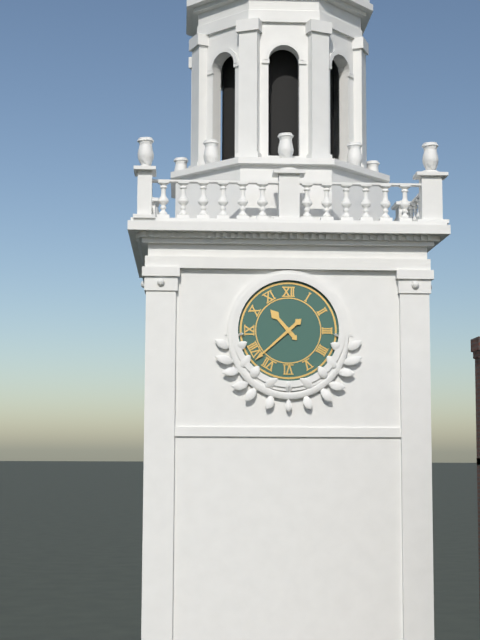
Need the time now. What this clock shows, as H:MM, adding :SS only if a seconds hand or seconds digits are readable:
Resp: 10:38
